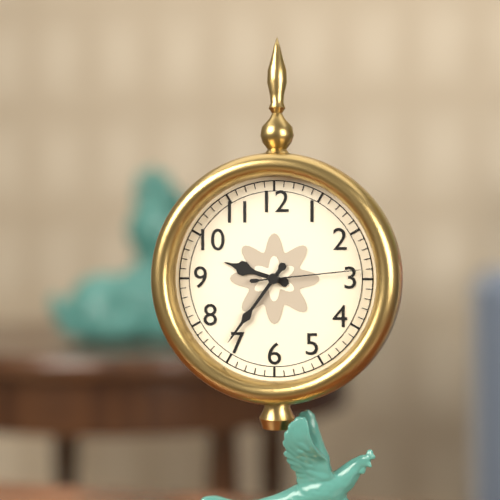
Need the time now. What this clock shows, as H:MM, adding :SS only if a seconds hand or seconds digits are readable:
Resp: 9:36:14
